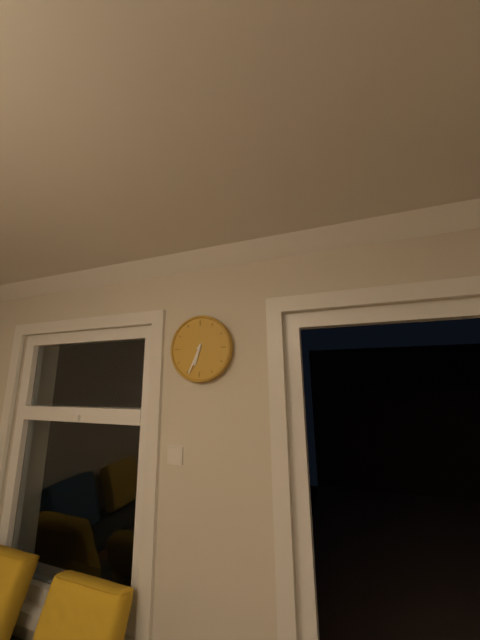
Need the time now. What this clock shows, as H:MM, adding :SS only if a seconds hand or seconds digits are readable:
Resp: 6:34
